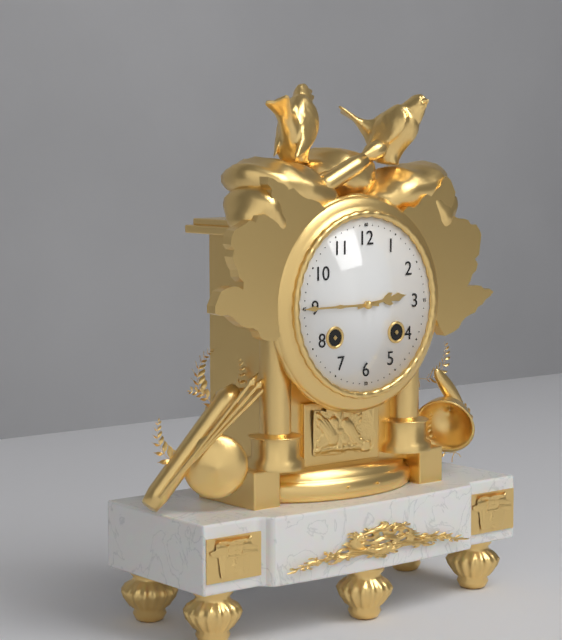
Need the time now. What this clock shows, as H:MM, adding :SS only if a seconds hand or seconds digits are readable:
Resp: 2:45
